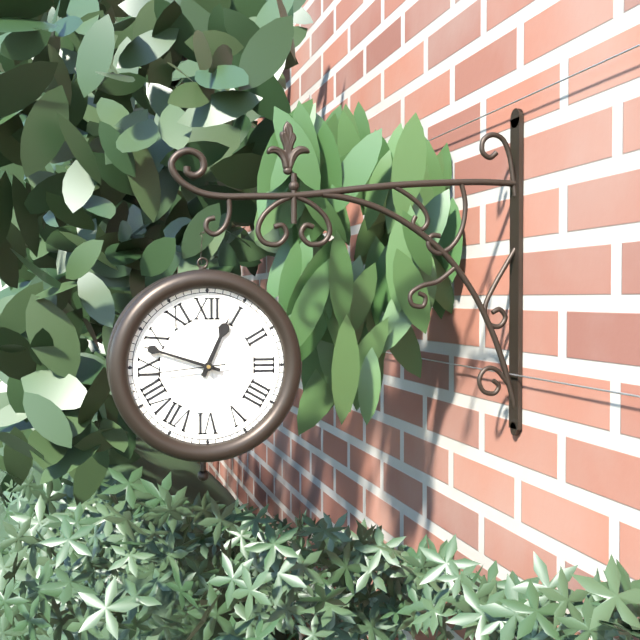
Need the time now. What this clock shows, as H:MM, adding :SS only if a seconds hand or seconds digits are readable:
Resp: 12:48:44
